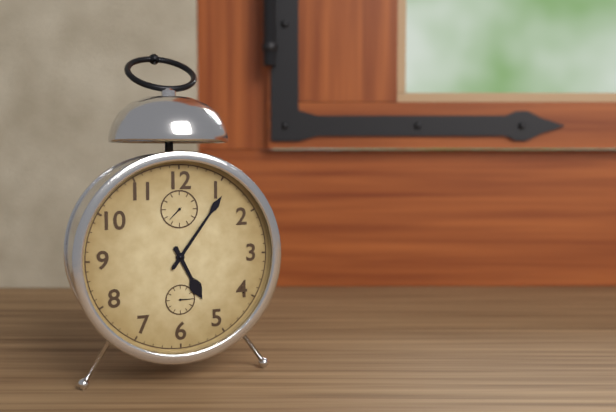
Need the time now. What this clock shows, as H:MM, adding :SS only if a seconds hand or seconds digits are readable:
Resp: 5:06
